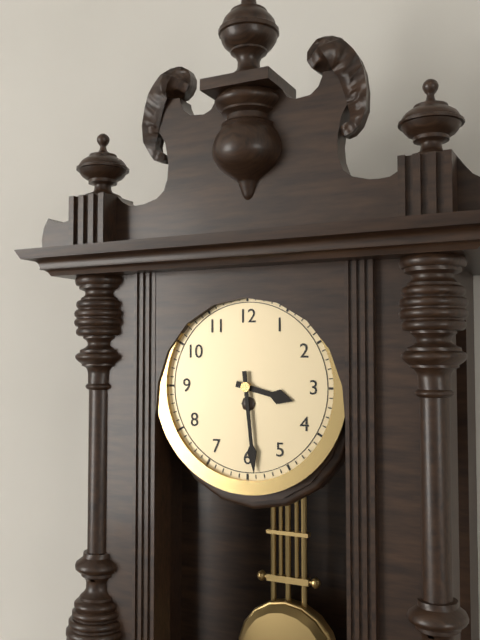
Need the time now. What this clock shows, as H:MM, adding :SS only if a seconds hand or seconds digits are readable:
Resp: 3:29
